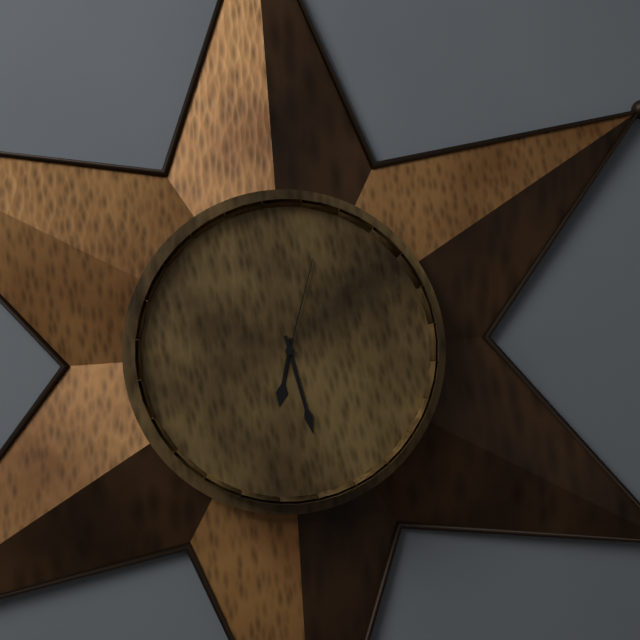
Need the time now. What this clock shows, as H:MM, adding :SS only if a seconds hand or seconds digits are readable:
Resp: 6:28:03
